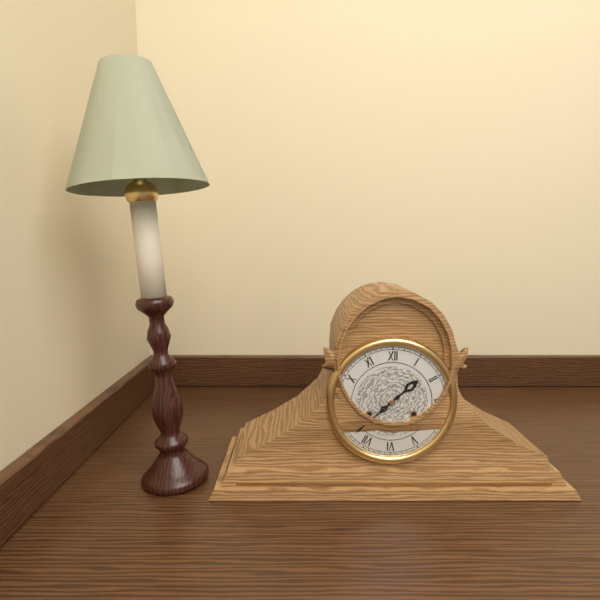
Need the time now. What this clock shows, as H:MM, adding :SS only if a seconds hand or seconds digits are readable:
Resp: 1:38
